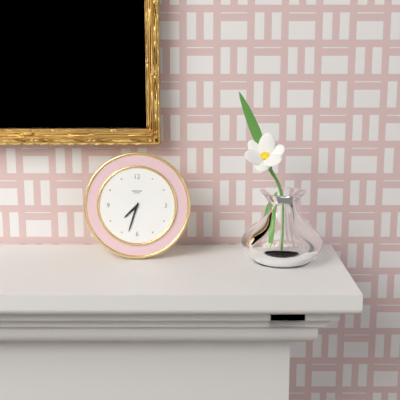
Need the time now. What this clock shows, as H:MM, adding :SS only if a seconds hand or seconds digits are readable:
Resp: 7:33
